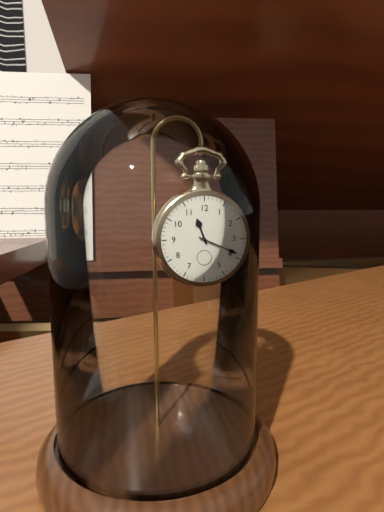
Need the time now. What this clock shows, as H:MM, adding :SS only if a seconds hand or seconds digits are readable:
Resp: 11:19
